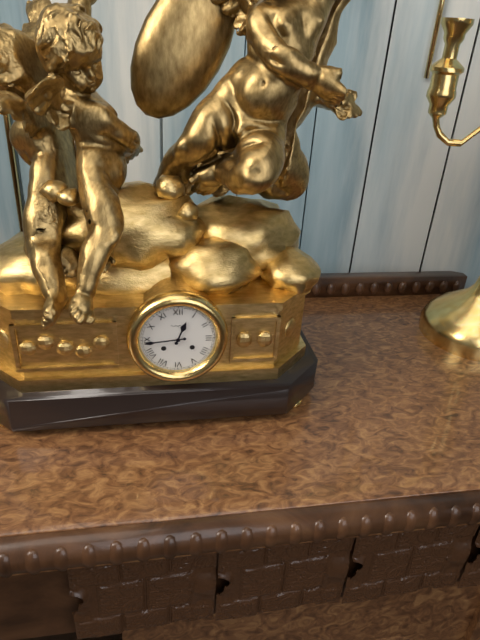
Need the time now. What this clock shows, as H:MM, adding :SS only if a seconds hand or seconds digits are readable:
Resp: 12:44
